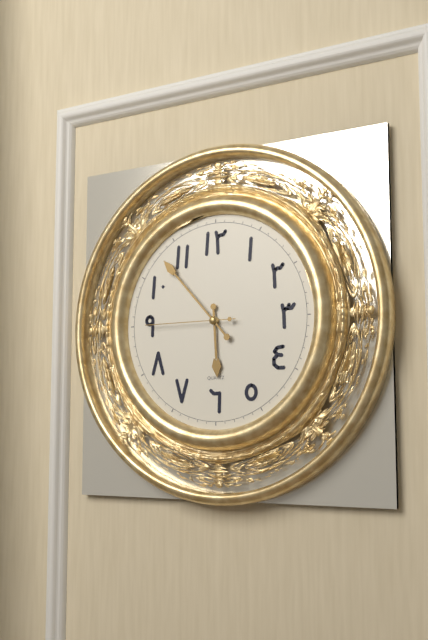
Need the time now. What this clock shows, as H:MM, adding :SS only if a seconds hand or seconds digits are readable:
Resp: 5:53:45
